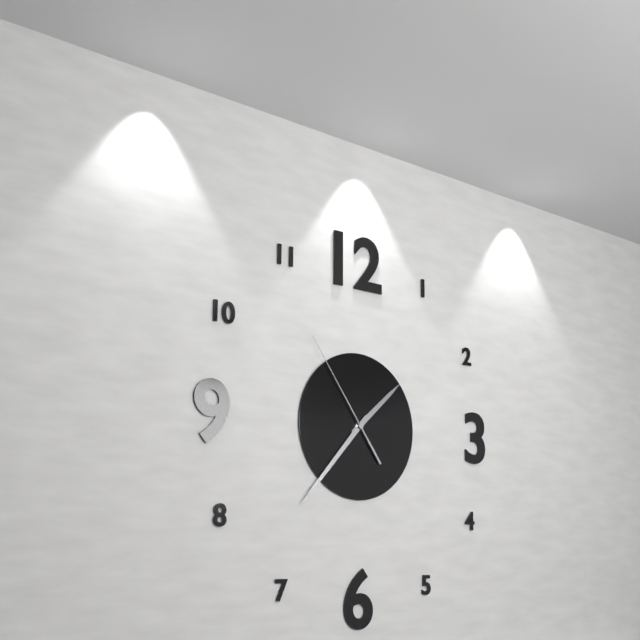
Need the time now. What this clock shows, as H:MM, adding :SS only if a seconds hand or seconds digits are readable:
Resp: 1:37:54
